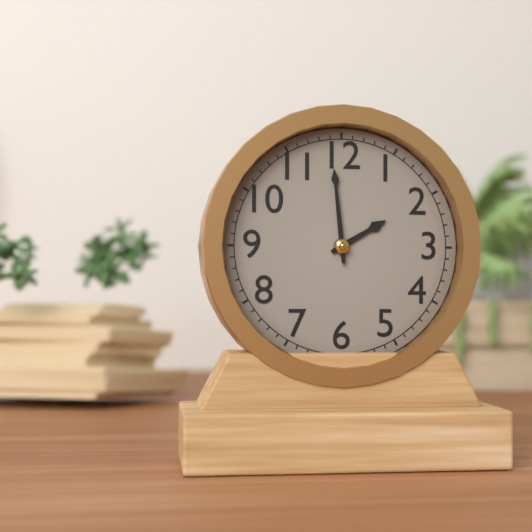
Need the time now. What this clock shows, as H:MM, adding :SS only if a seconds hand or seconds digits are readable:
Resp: 1:59
